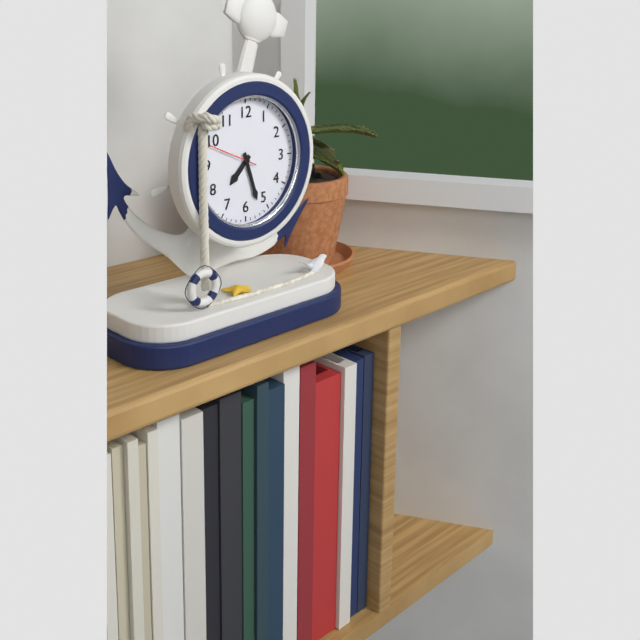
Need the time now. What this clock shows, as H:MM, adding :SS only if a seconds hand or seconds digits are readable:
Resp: 7:27:49
